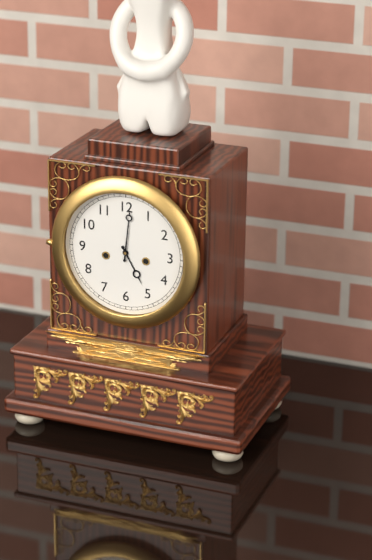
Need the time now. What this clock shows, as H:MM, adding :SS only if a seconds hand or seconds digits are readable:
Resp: 5:01
